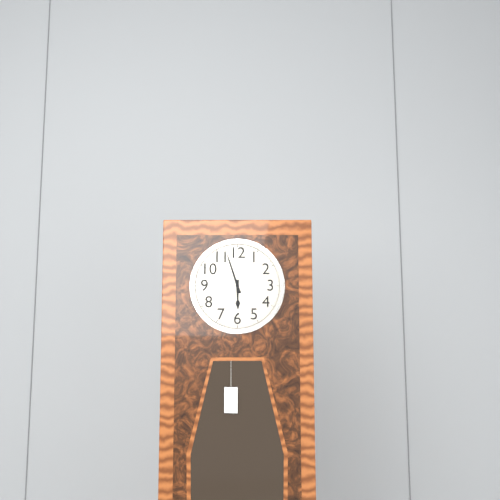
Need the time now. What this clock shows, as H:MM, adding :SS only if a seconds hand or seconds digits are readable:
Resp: 5:57
